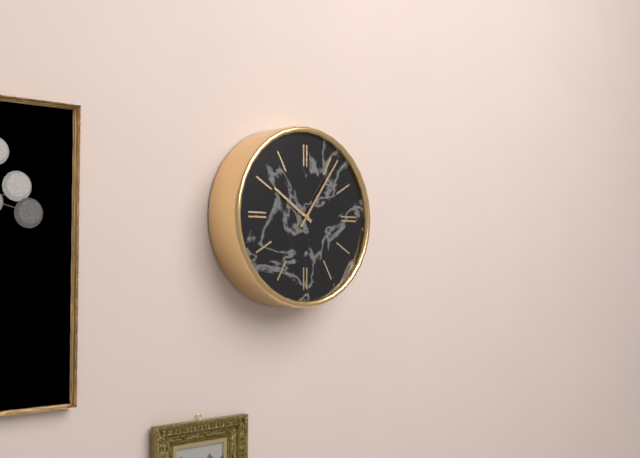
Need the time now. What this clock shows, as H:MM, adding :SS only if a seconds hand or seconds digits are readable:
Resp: 10:06
